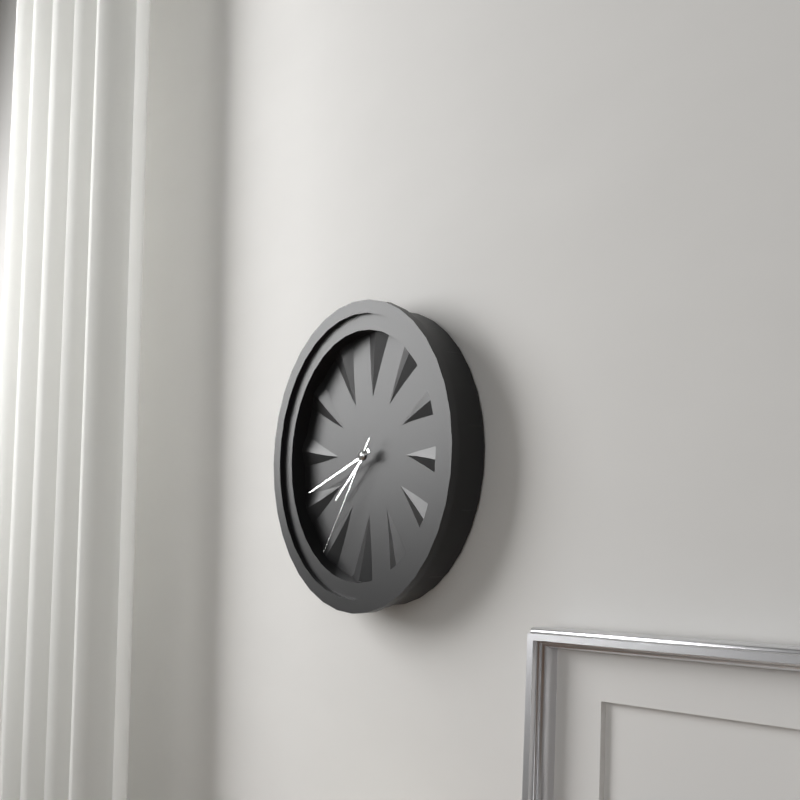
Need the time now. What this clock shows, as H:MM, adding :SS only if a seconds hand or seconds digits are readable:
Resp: 7:42:36
